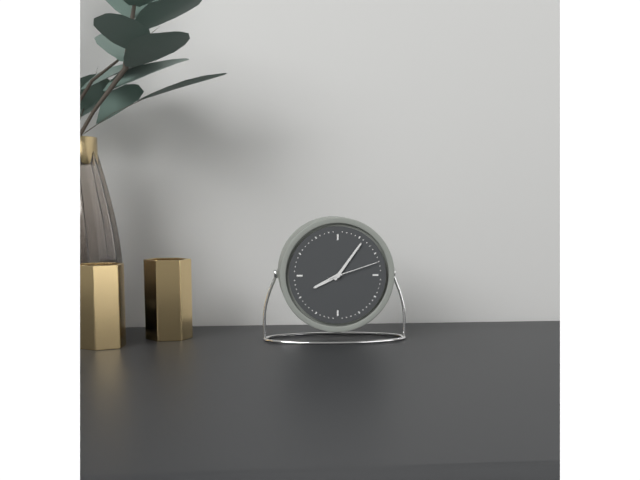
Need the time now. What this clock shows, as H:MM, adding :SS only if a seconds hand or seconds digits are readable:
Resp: 8:06:12
